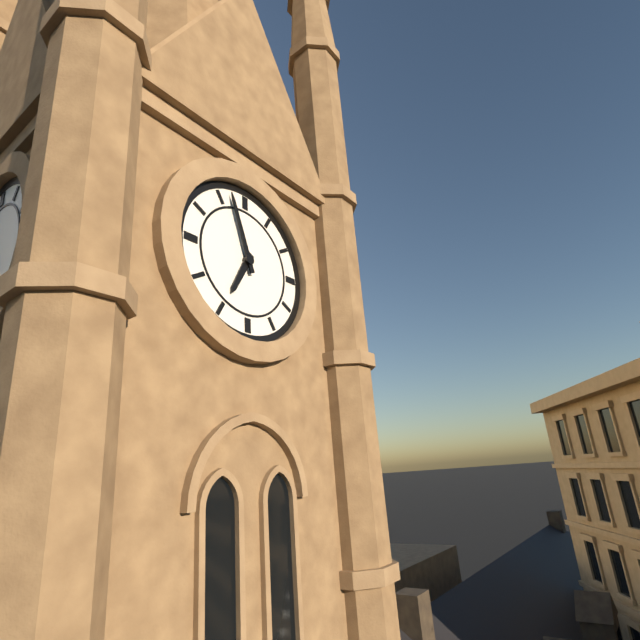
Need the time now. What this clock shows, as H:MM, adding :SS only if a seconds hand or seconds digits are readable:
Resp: 6:57
